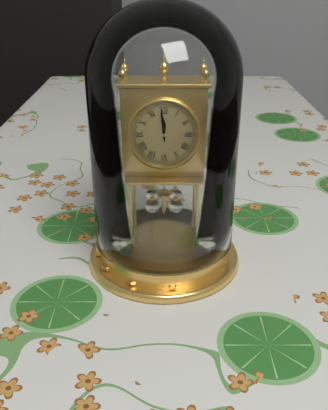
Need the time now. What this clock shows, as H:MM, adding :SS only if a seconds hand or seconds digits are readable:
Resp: 11:59
